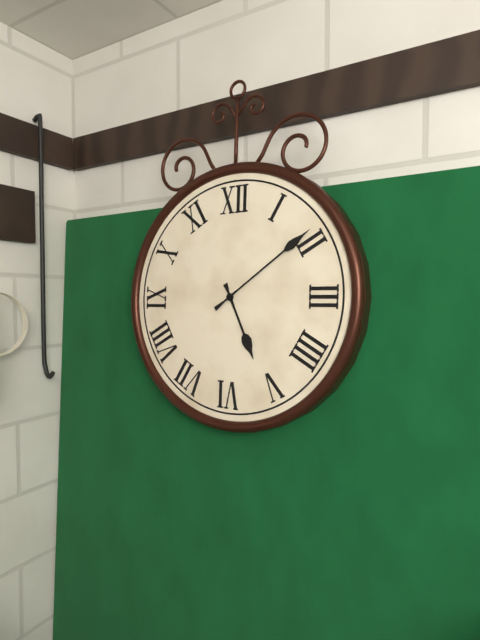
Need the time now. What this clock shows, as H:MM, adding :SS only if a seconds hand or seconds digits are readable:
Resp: 5:09
